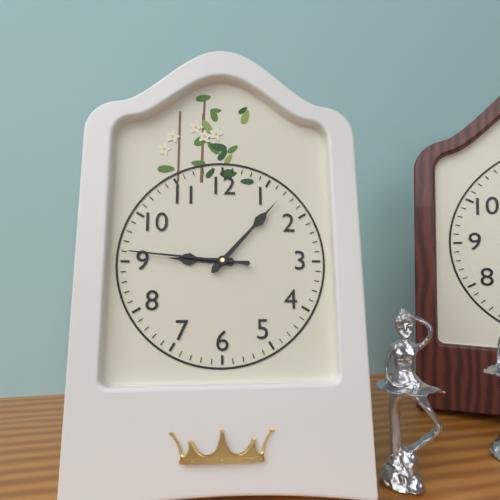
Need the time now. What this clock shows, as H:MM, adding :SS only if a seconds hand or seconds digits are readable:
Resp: 9:07:46
